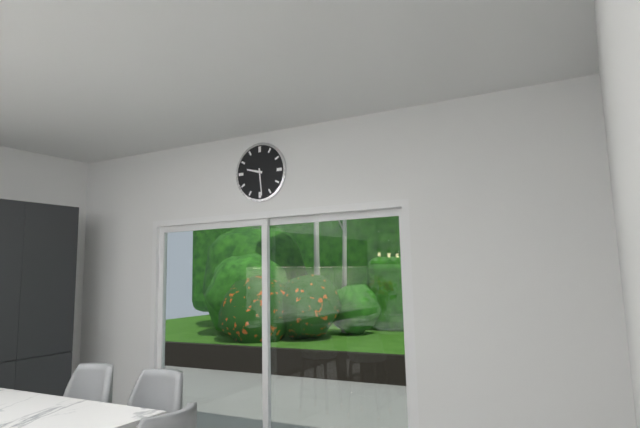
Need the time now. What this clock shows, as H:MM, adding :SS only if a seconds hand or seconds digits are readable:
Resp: 9:29
